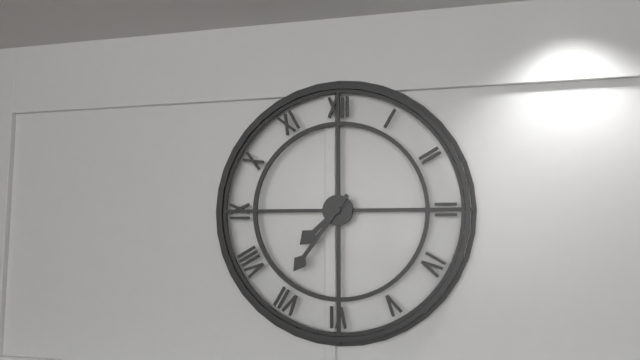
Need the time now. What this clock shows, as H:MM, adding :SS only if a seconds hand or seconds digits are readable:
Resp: 7:36
